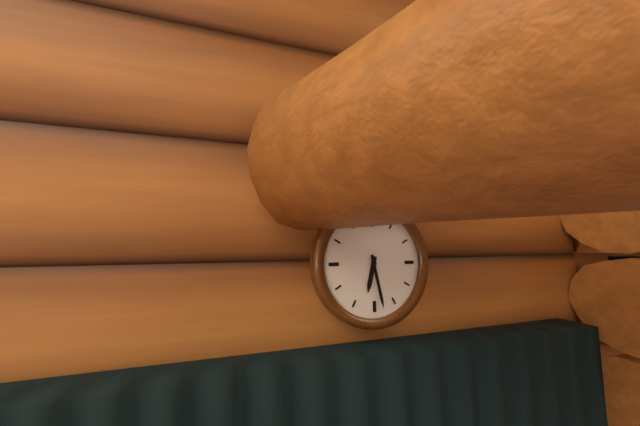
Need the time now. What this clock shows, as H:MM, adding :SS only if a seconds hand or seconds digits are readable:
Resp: 6:28
